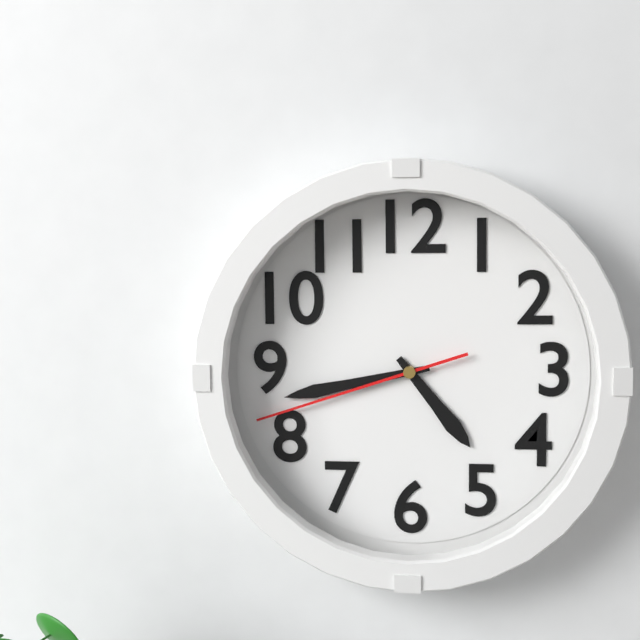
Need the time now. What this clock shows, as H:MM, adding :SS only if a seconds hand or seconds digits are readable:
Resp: 4:43:42
